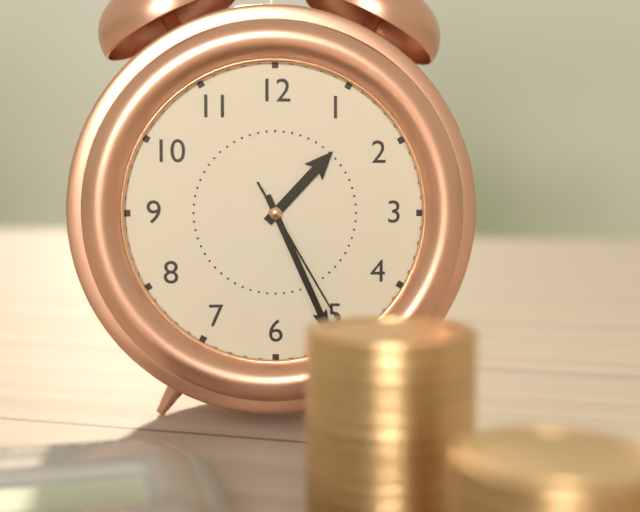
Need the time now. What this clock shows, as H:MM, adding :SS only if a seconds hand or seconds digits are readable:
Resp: 1:26:25
